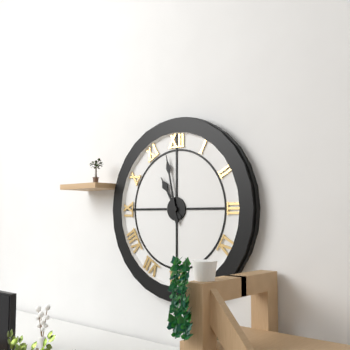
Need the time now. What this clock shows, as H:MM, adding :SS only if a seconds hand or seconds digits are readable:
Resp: 10:58
